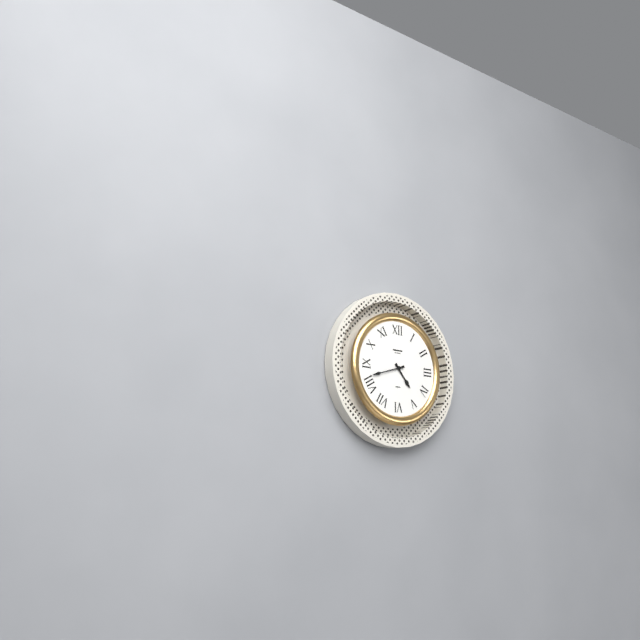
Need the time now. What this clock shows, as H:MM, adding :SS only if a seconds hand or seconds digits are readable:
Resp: 4:42
